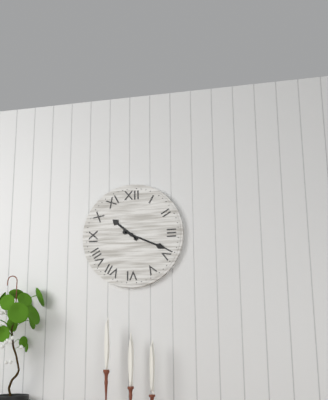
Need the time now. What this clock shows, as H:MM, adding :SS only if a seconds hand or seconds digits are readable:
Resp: 10:19
